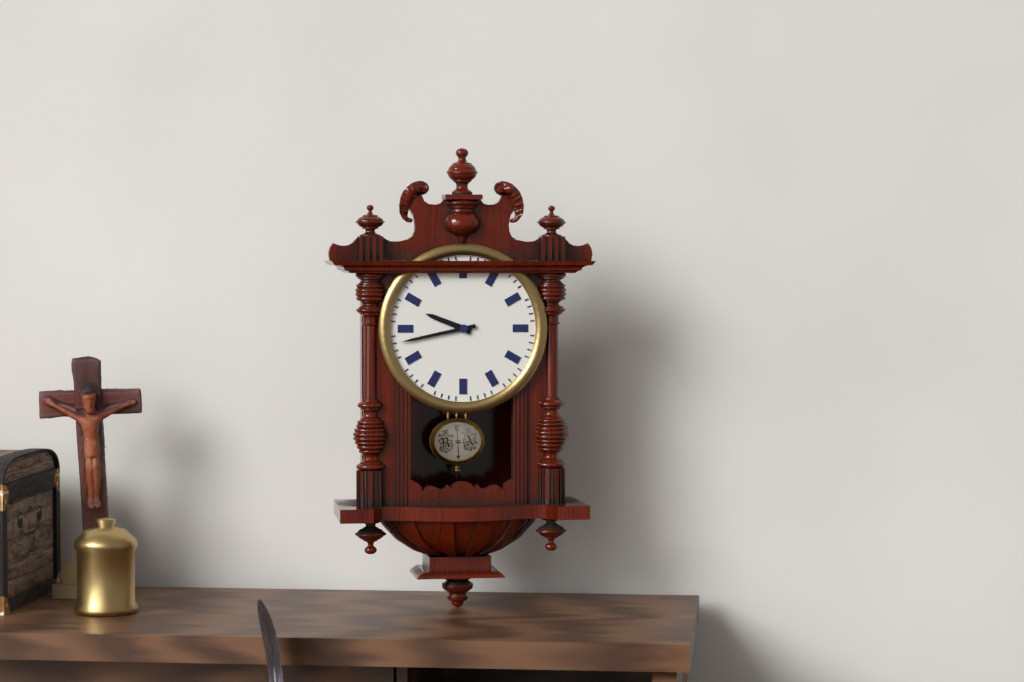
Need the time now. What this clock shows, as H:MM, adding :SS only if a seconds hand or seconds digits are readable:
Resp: 9:43
